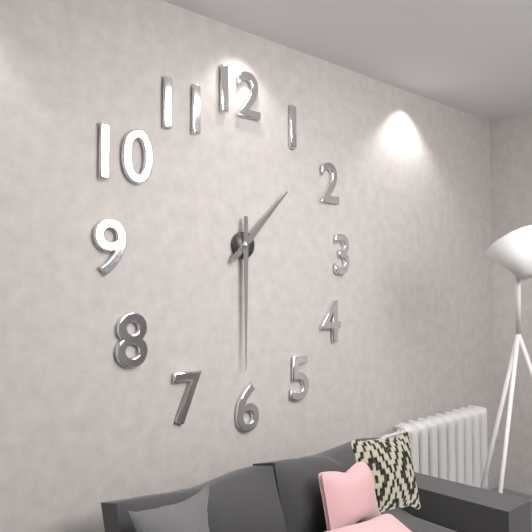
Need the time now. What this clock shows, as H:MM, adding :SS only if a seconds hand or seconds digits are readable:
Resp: 1:30
